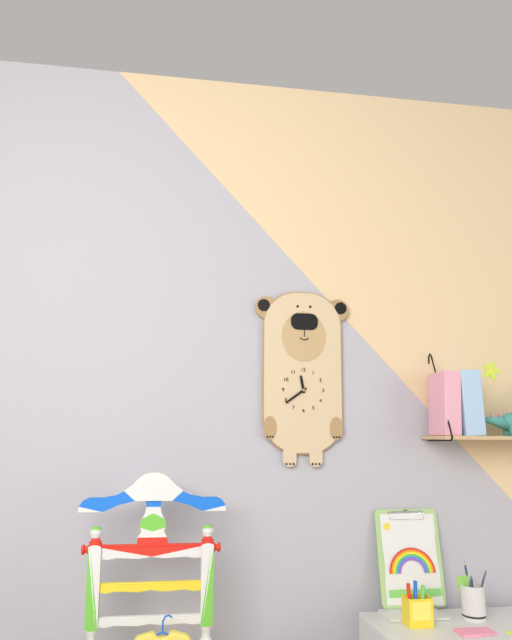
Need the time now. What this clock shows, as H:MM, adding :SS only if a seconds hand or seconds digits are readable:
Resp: 11:39
